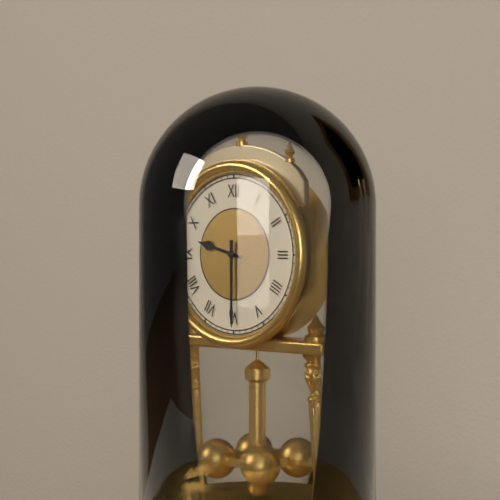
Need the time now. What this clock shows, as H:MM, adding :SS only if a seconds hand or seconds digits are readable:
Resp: 9:30
